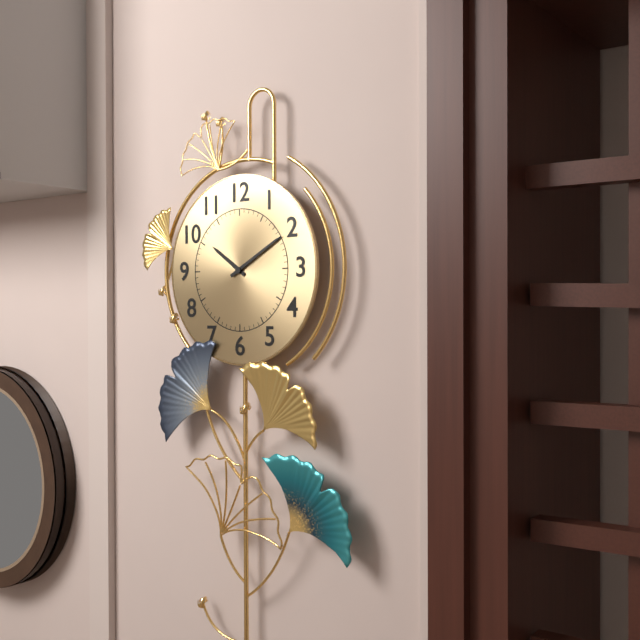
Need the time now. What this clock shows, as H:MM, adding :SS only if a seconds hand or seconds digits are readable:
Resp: 10:10
